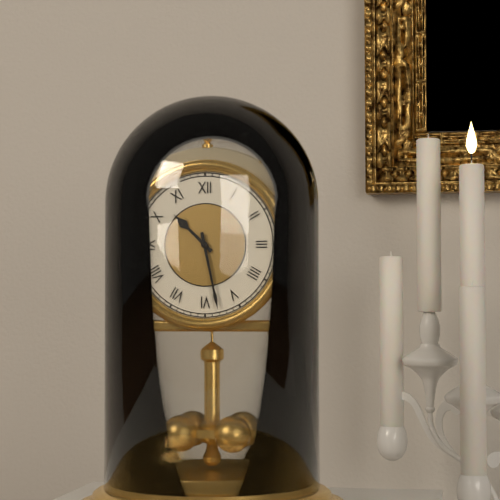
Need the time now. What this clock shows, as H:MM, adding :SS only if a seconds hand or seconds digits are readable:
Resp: 10:28
